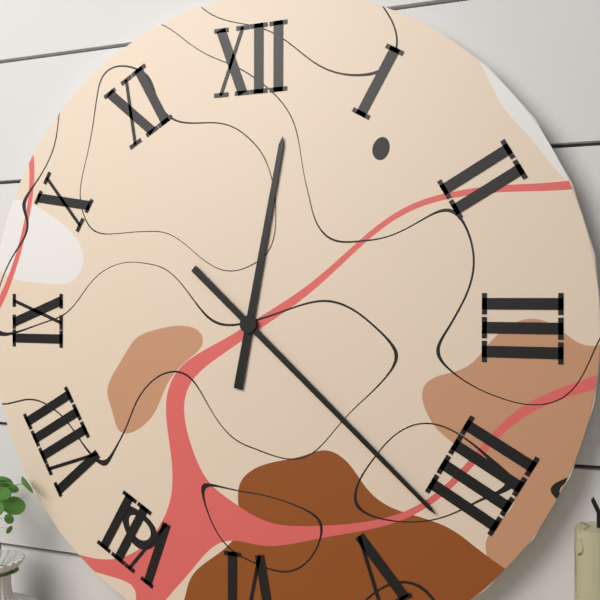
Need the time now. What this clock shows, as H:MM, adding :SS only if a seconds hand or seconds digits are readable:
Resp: 12:22
